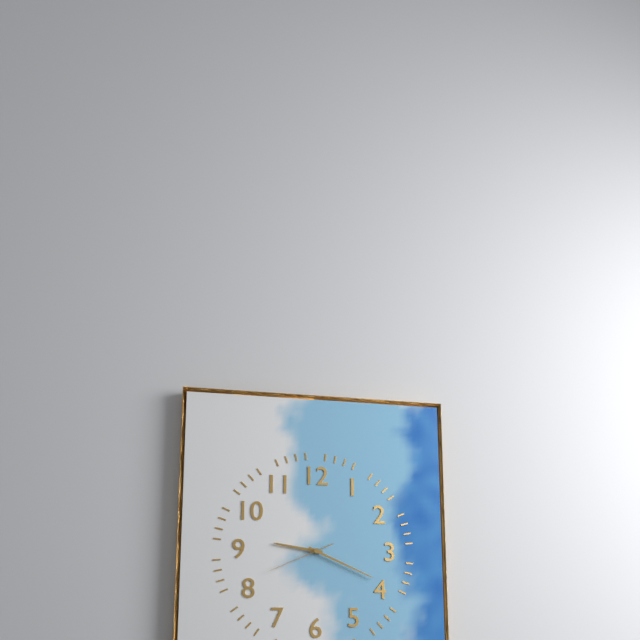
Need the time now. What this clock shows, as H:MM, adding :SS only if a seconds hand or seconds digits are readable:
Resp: 9:19:41
